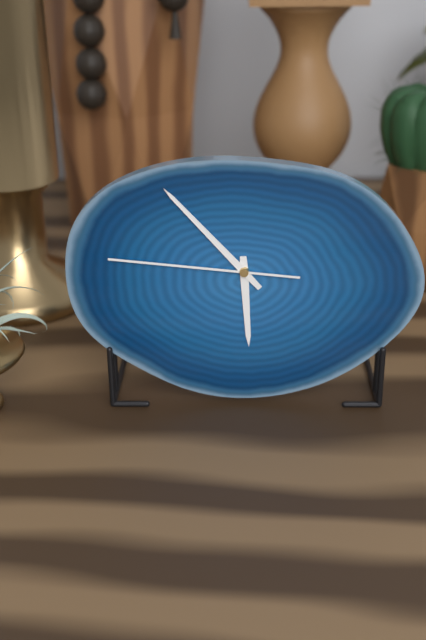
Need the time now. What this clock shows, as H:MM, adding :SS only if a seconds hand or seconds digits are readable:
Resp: 5:53:46
